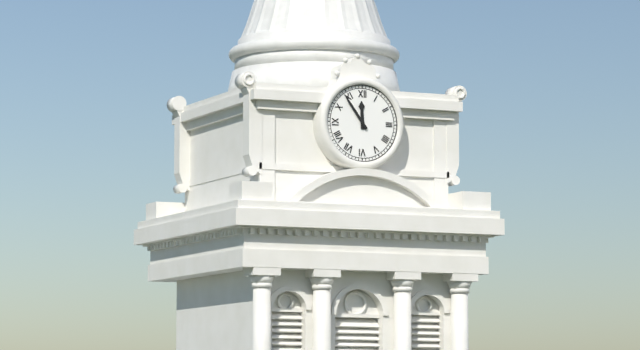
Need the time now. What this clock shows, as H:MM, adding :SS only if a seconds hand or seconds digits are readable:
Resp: 11:54
